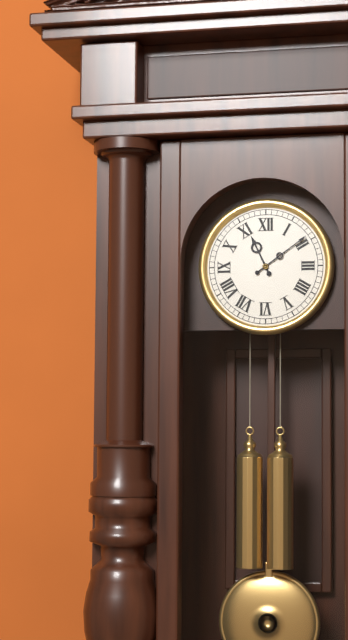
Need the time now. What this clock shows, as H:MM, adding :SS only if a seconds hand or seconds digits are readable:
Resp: 11:09
